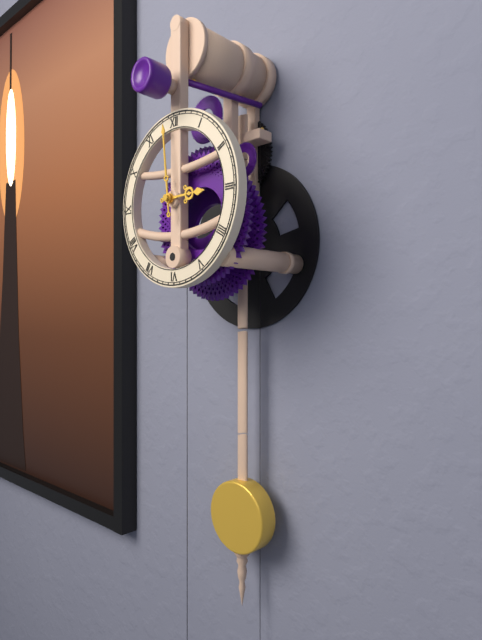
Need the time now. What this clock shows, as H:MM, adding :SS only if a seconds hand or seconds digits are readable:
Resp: 2:59
